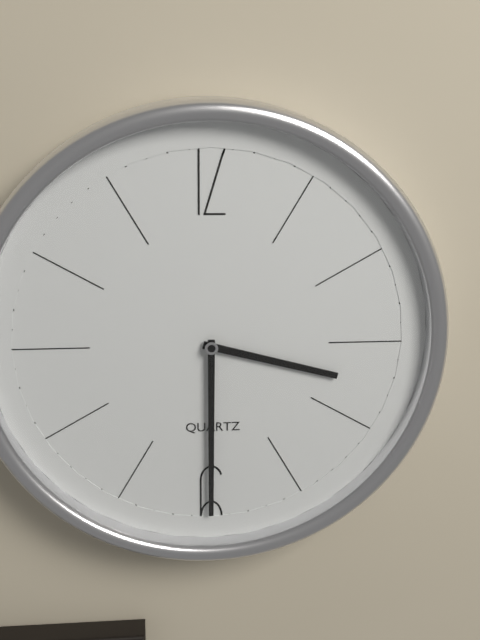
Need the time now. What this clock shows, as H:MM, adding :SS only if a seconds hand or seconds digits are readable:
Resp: 3:30
